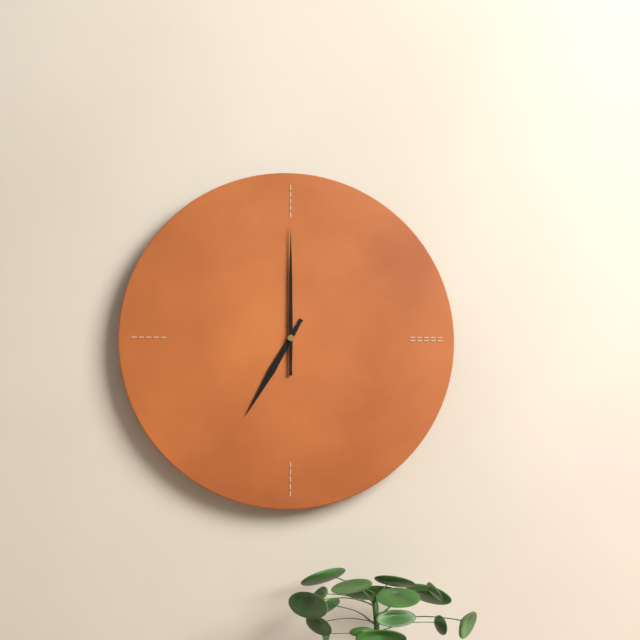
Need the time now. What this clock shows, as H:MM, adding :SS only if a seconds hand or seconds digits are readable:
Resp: 7:00
